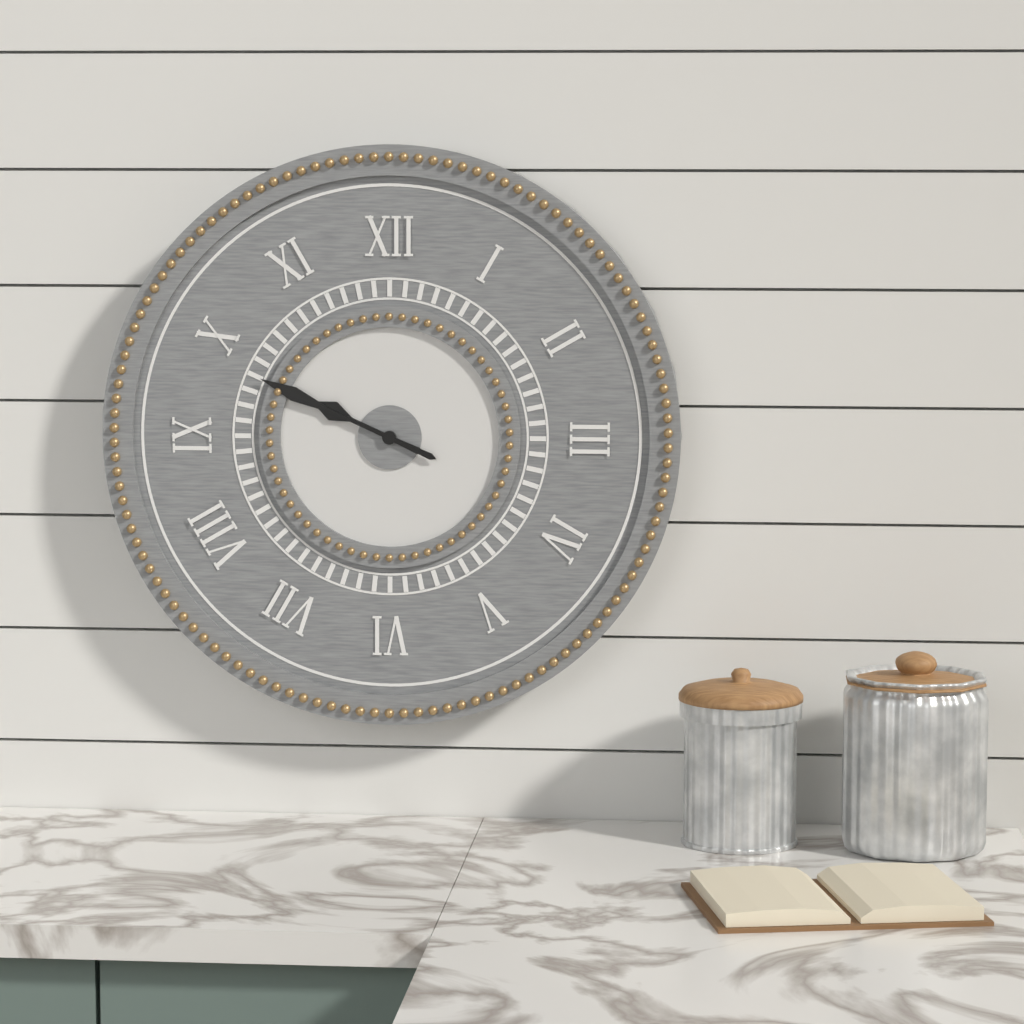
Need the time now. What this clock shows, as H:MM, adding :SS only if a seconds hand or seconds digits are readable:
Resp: 9:49
